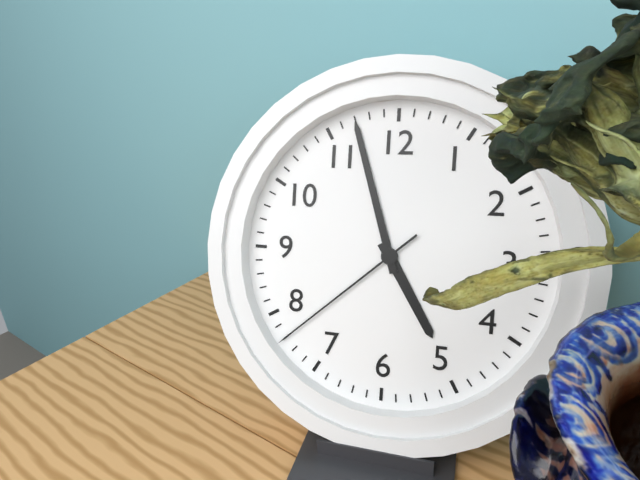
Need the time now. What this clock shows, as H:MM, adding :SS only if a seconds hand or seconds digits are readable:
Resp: 4:57:38
